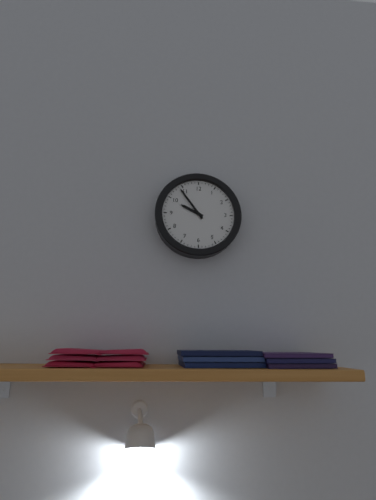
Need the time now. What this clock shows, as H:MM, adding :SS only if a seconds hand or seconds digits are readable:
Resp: 9:54
